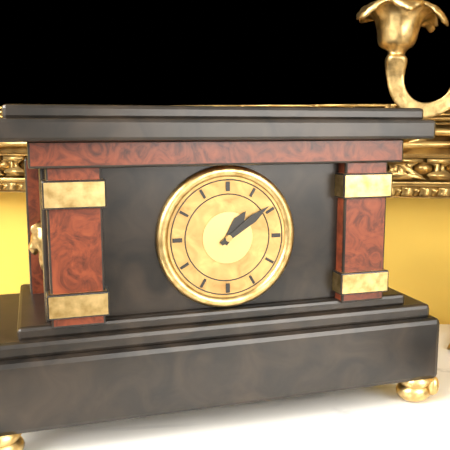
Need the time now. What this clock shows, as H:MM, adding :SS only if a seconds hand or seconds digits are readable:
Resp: 1:09
